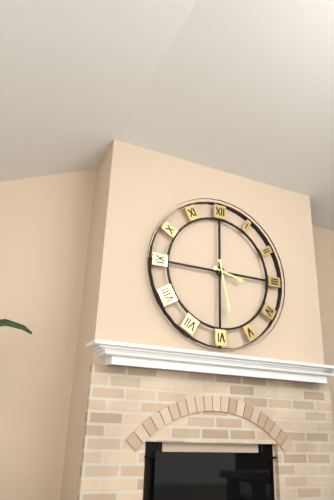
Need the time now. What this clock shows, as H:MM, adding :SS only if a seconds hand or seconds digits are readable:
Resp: 3:28
